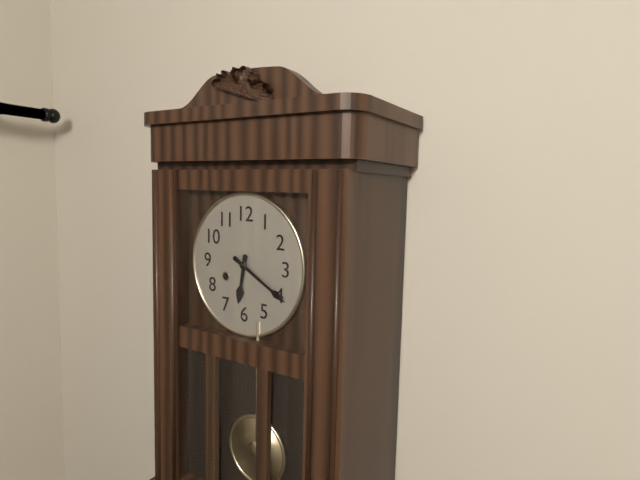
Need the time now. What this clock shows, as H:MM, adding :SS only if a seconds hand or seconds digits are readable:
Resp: 6:20
